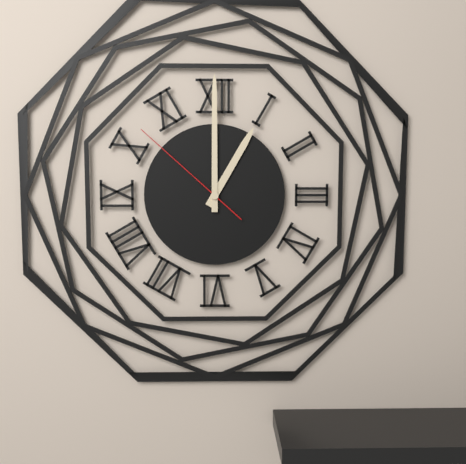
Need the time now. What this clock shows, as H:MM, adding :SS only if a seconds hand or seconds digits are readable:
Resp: 1:00:52
